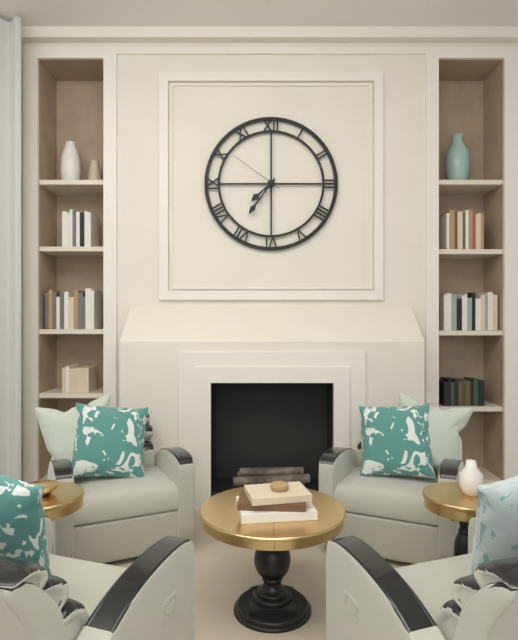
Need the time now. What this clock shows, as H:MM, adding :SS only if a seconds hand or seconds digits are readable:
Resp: 7:36:51
